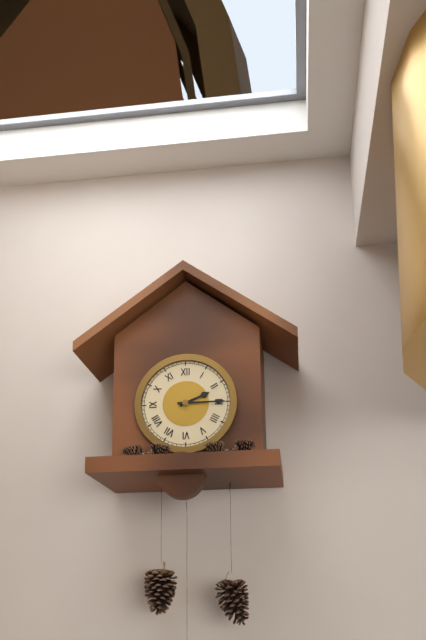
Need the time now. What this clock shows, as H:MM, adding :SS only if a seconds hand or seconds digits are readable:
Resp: 2:15
